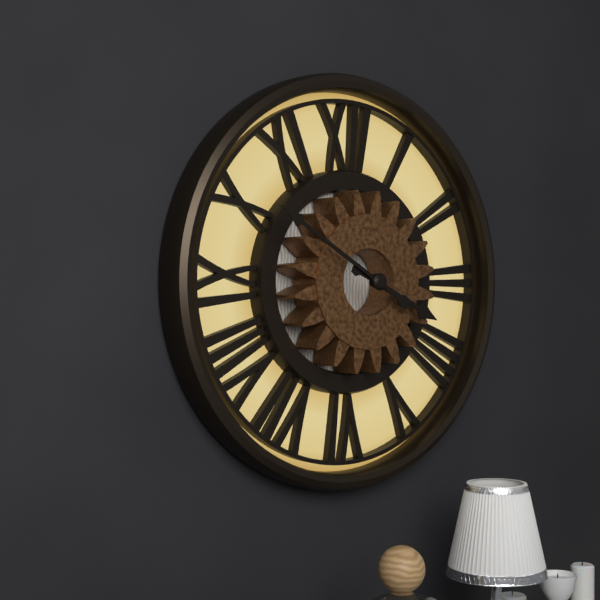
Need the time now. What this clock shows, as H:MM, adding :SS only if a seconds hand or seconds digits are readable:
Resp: 3:50
